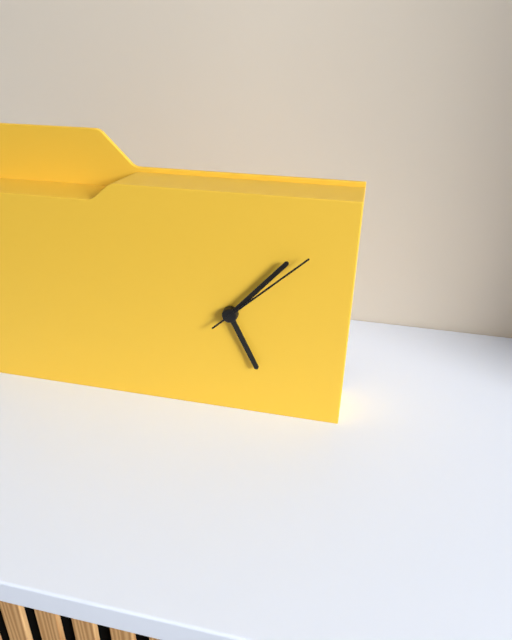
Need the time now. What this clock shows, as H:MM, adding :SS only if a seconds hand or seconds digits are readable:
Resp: 5:07:08
